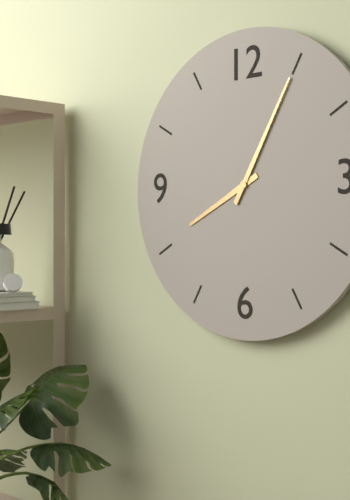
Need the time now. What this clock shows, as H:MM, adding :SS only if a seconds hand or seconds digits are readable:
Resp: 8:05
